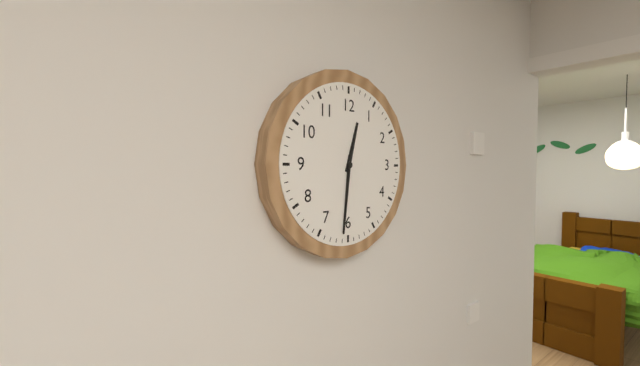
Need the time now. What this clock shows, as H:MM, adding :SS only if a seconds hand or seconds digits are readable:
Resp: 12:31
